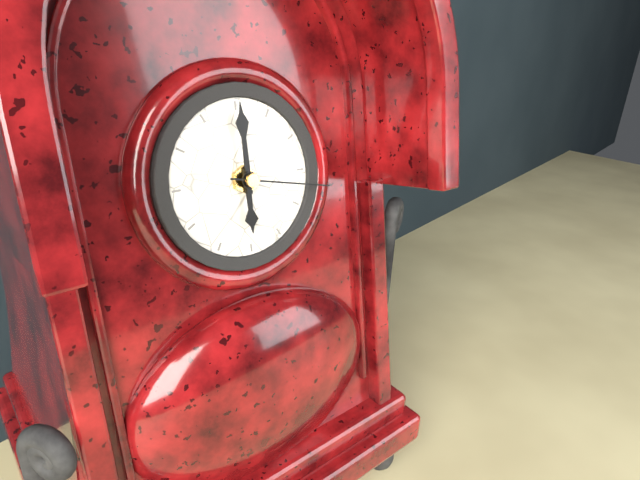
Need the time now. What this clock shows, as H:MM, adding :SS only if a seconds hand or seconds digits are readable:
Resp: 6:00:17
